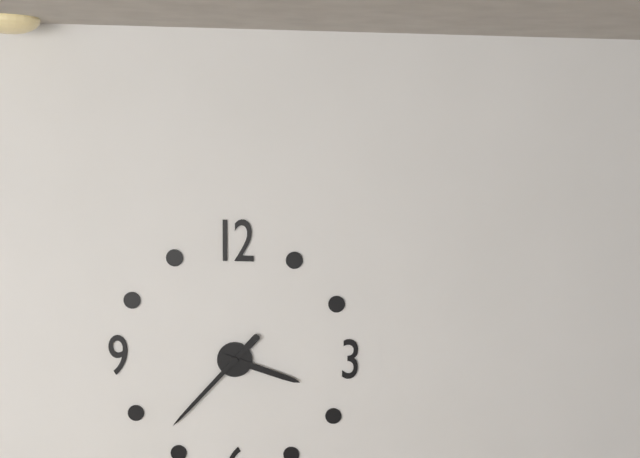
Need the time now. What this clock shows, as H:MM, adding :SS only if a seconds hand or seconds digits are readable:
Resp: 3:37
